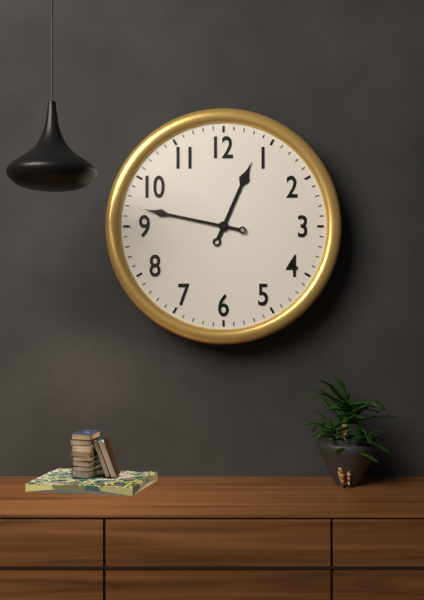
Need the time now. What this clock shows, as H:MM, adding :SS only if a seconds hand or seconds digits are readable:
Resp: 12:47
